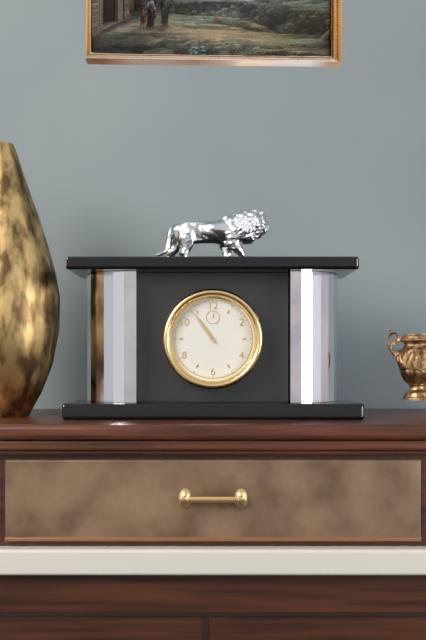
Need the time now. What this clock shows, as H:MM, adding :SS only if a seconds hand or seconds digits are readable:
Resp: 10:54
